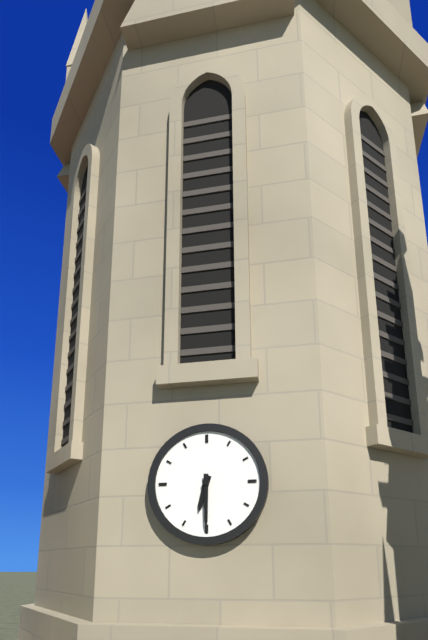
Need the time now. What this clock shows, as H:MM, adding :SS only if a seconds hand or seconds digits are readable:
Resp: 6:30
